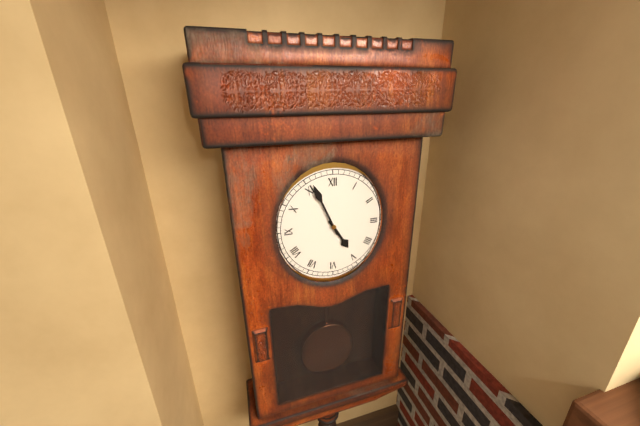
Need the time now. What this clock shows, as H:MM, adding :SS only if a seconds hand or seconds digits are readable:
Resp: 4:56
